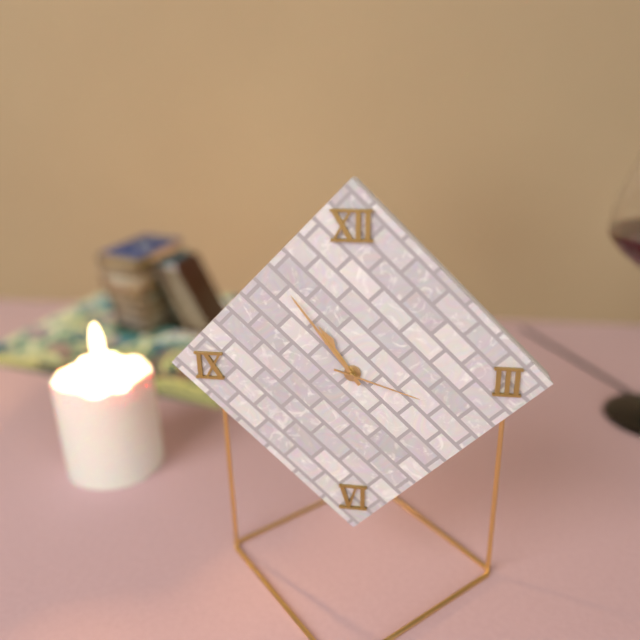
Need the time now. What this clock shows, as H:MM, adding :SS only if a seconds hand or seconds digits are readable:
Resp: 10:54:18
